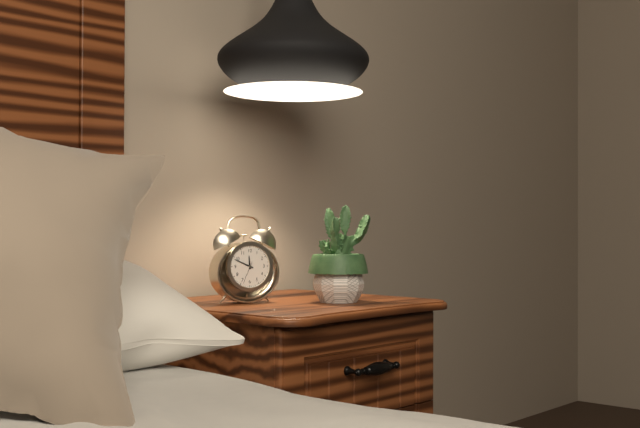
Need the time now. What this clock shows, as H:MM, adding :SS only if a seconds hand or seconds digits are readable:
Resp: 11:49
